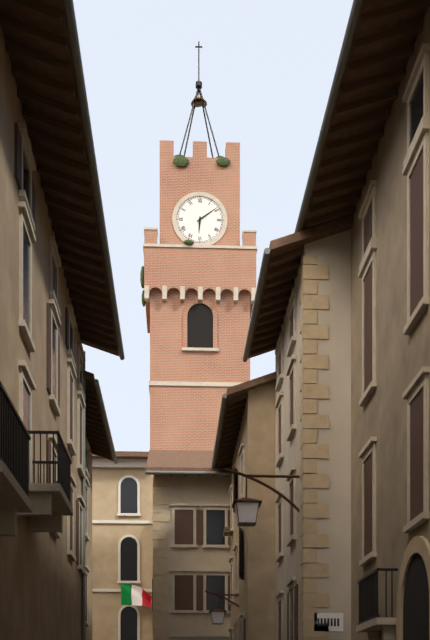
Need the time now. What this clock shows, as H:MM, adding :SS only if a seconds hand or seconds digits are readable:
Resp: 6:09
